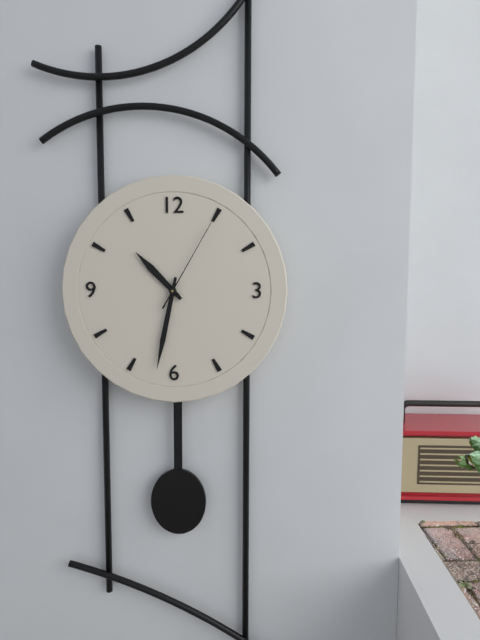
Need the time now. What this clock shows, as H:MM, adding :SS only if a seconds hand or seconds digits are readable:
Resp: 10:32:05
